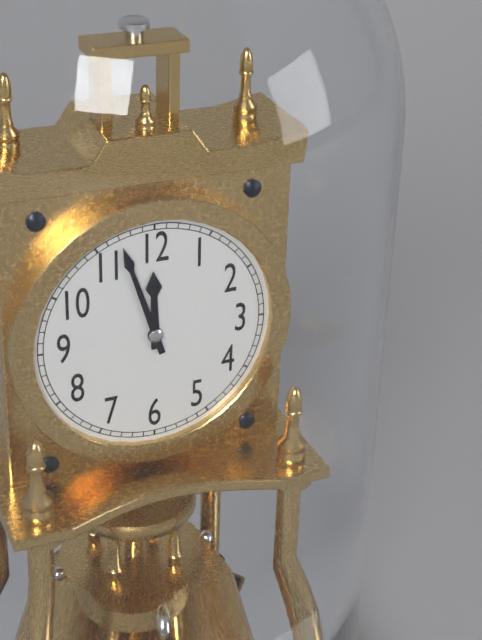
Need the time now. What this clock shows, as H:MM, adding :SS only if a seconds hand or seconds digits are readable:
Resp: 11:57
